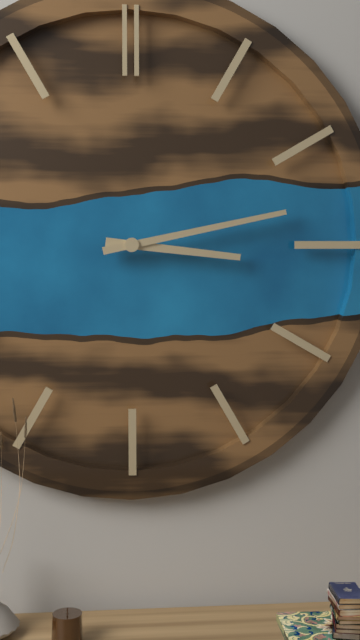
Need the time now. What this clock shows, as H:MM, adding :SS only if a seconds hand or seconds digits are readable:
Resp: 3:13
